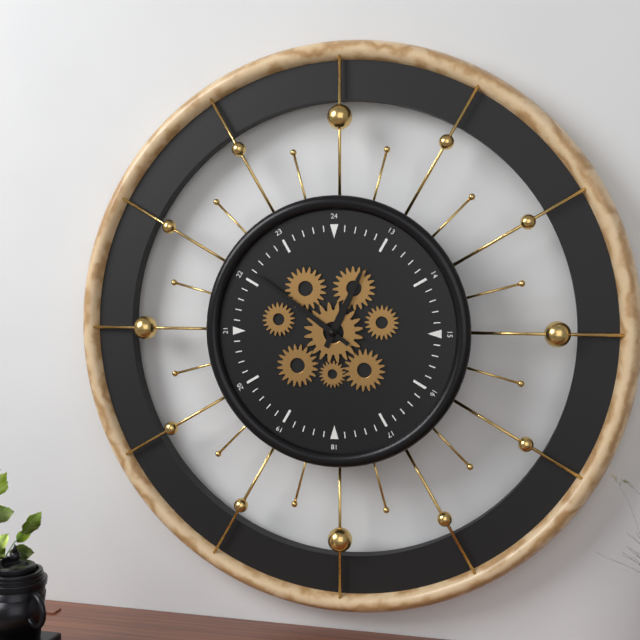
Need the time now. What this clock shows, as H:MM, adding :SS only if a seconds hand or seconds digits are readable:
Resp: 12:51
